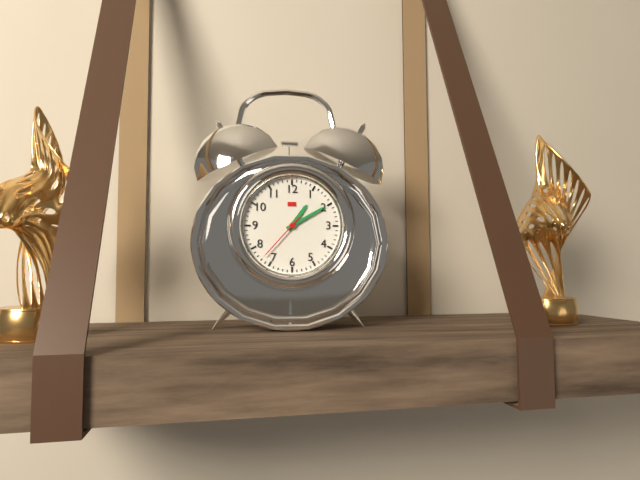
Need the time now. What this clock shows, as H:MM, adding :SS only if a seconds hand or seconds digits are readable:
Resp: 1:10:37
